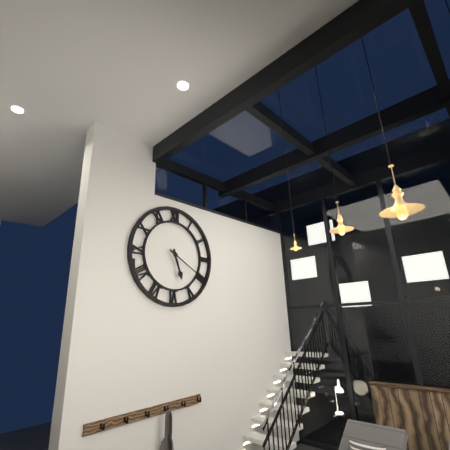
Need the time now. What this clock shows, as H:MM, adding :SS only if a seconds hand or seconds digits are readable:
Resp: 5:20
